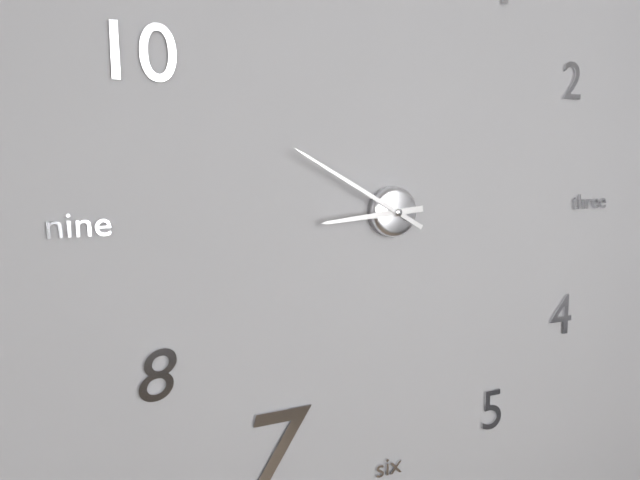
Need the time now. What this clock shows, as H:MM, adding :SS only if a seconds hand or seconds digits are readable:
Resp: 8:50
